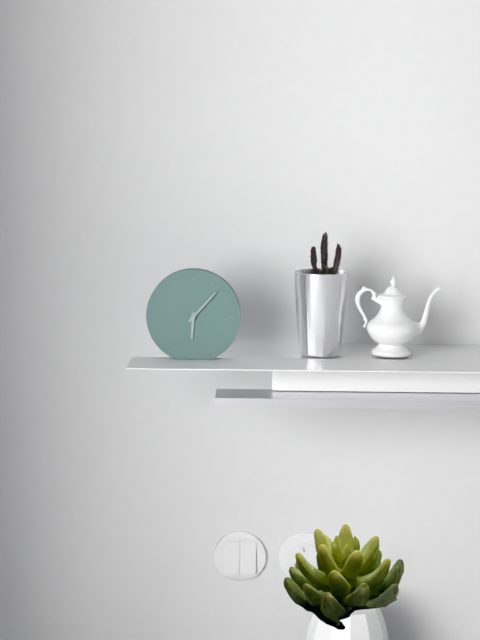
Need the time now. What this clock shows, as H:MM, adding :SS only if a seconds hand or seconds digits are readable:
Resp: 6:07
